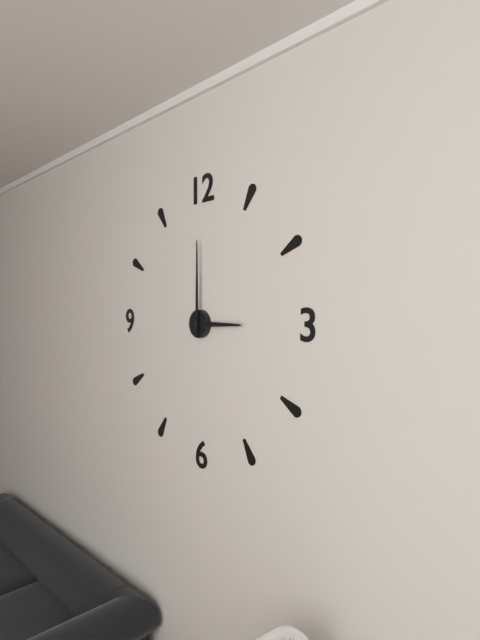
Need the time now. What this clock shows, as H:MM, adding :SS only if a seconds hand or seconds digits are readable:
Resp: 3:00
